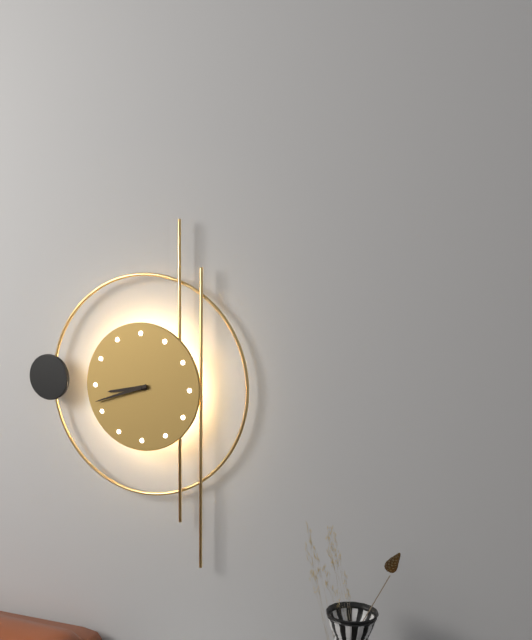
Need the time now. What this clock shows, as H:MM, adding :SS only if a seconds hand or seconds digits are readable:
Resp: 8:42
